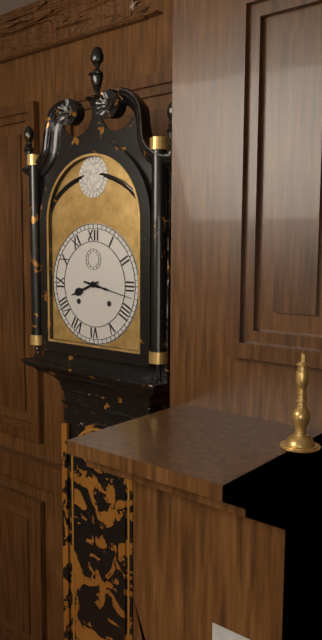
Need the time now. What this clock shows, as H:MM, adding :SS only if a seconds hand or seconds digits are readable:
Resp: 8:17
